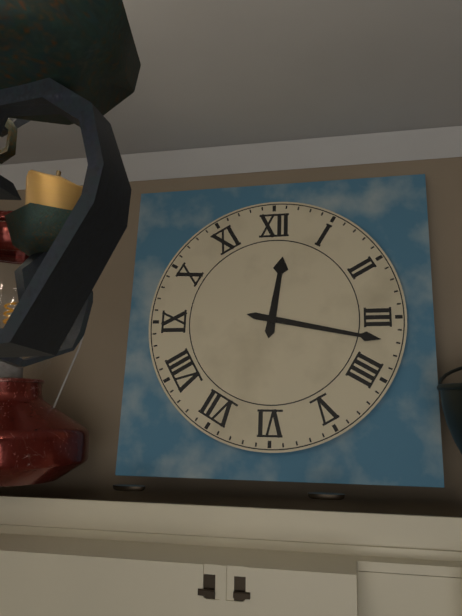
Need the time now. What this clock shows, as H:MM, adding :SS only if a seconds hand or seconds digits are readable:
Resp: 12:17
